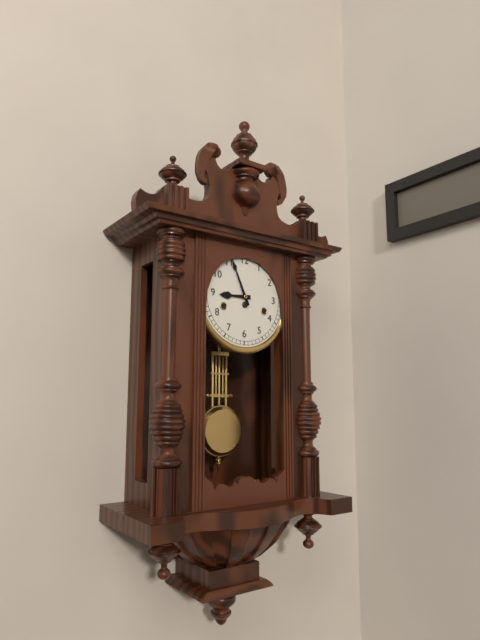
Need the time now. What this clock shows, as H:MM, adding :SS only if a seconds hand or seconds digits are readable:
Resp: 8:56
